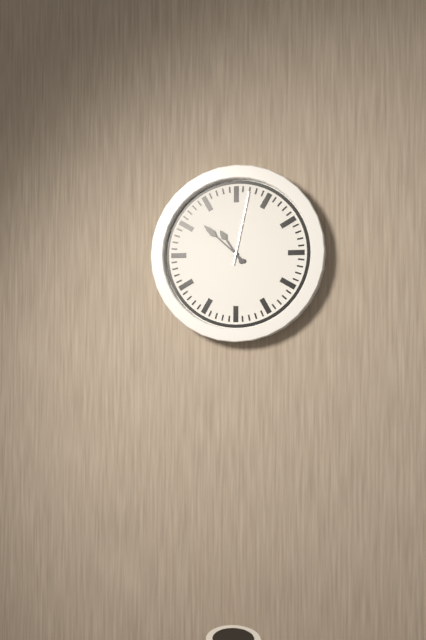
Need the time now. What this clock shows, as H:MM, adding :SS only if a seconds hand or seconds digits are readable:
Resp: 10:52:02
